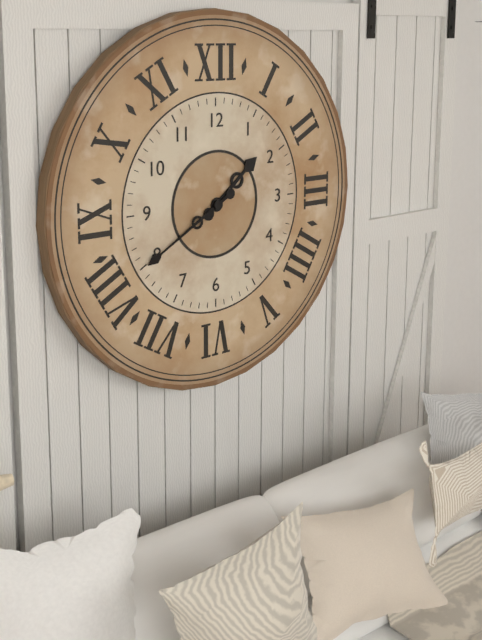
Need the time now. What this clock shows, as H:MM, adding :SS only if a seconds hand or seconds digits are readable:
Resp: 1:40
